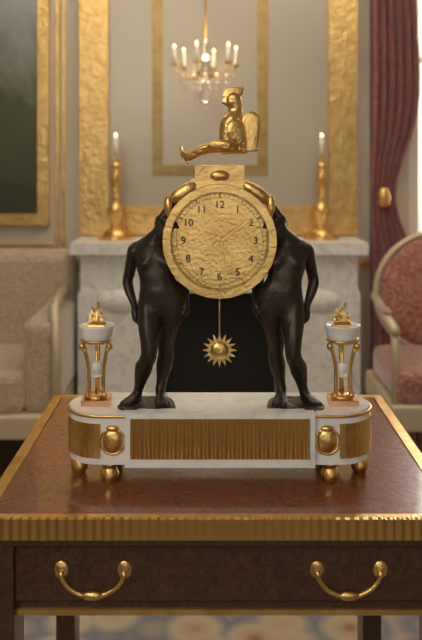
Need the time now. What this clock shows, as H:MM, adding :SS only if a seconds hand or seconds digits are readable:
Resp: 5:09
